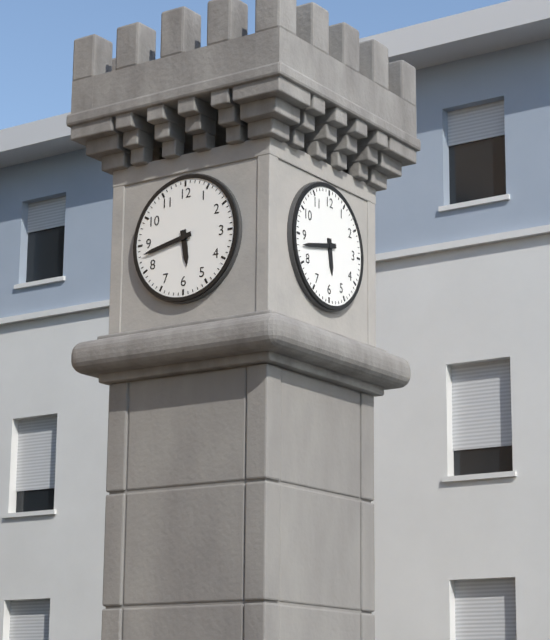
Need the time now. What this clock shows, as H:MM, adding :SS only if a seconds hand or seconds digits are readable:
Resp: 5:43
